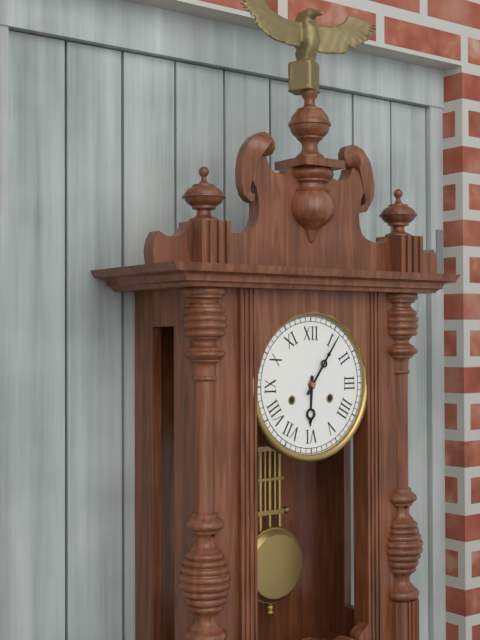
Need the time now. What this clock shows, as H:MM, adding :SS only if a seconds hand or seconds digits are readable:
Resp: 6:06
